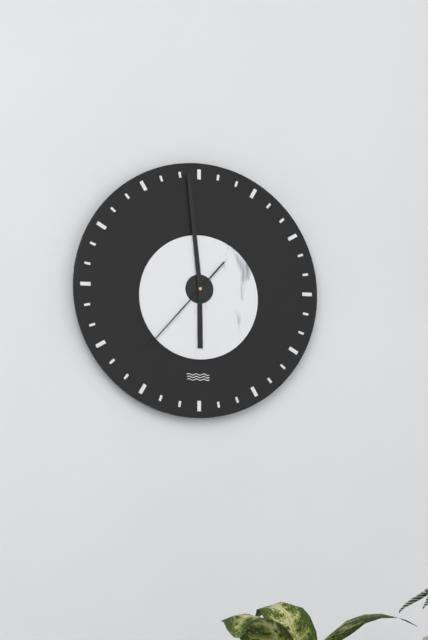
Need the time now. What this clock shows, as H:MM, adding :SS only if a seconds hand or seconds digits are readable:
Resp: 5:59:37
